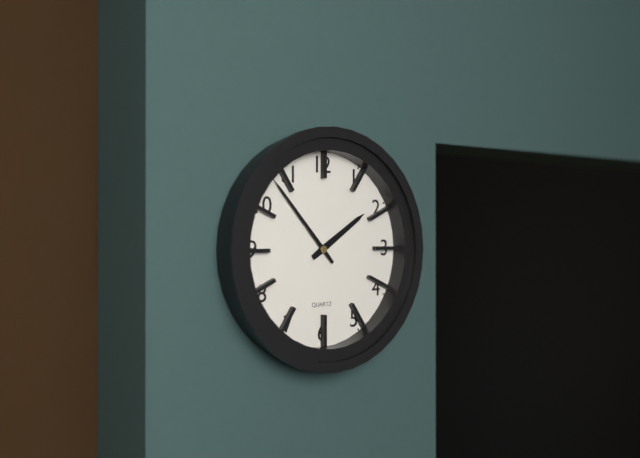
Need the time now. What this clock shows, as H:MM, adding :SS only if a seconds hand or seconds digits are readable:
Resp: 1:53
